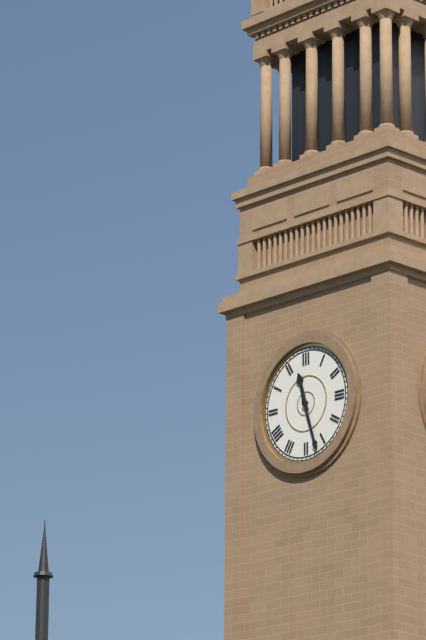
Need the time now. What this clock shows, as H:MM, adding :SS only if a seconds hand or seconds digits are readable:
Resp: 11:27
